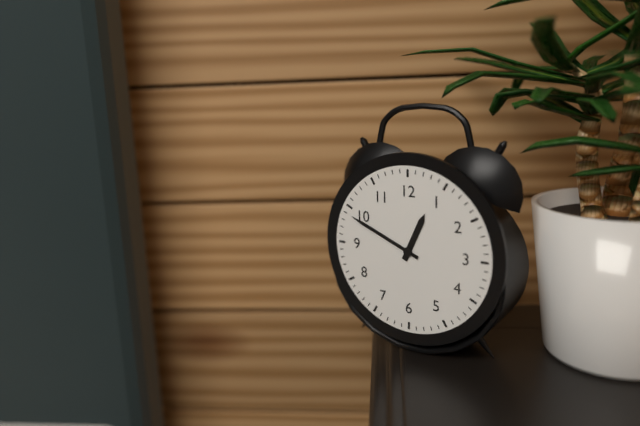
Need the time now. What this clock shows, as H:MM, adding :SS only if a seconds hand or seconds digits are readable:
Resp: 12:49
